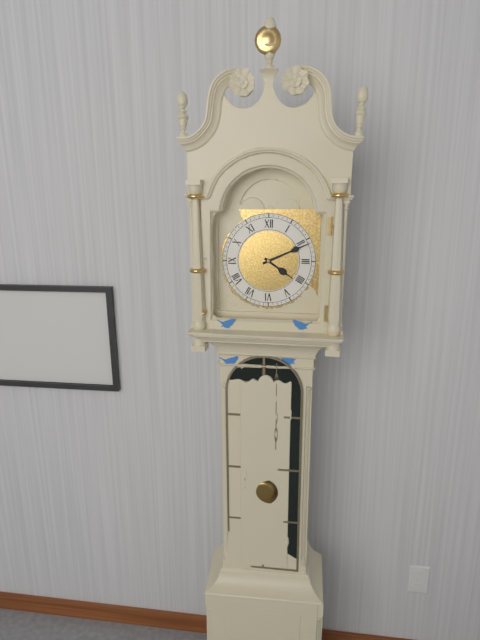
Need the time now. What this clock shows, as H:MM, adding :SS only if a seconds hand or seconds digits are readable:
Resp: 4:11
